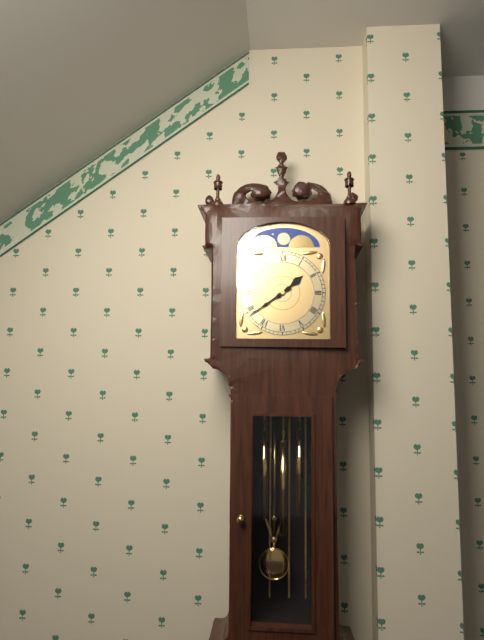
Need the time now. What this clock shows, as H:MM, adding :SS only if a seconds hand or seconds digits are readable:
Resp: 1:39
